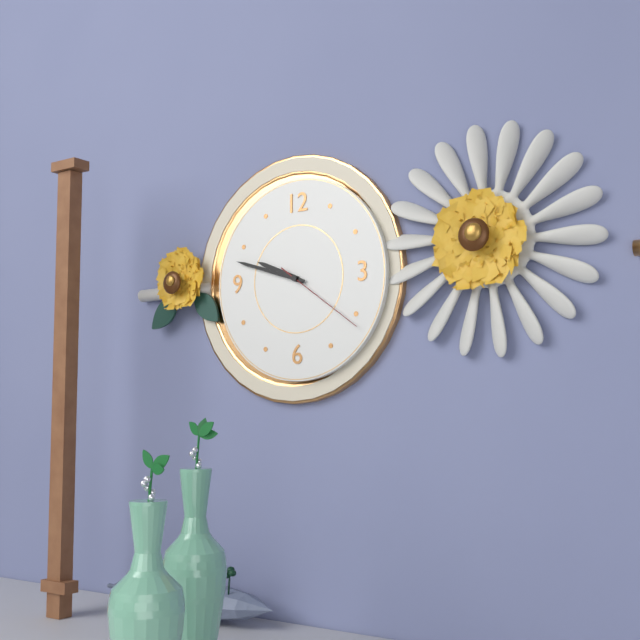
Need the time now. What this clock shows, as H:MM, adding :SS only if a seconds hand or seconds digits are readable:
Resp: 9:48:21
